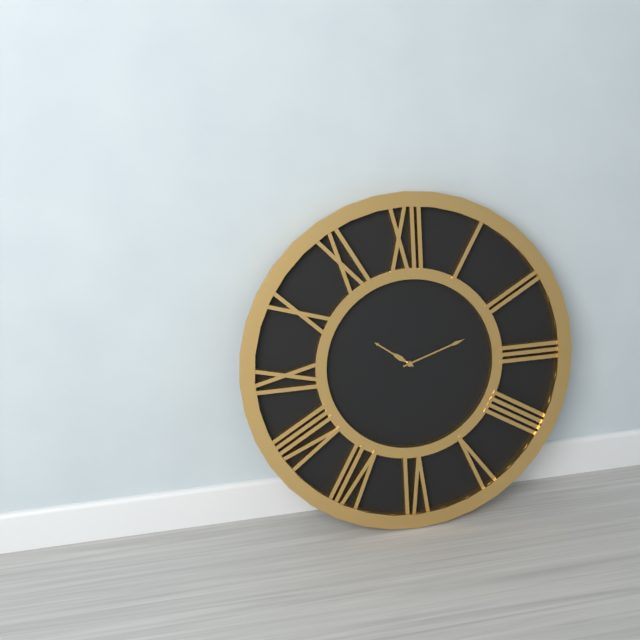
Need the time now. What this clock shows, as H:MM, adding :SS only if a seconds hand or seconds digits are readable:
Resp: 10:12
